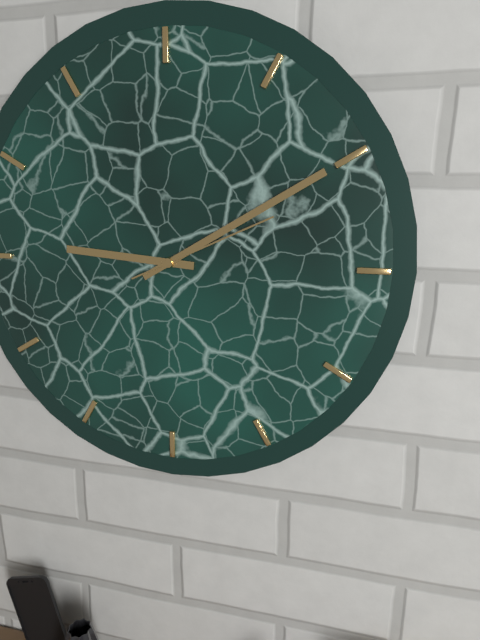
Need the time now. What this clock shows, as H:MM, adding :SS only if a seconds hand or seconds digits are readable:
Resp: 9:10:11
